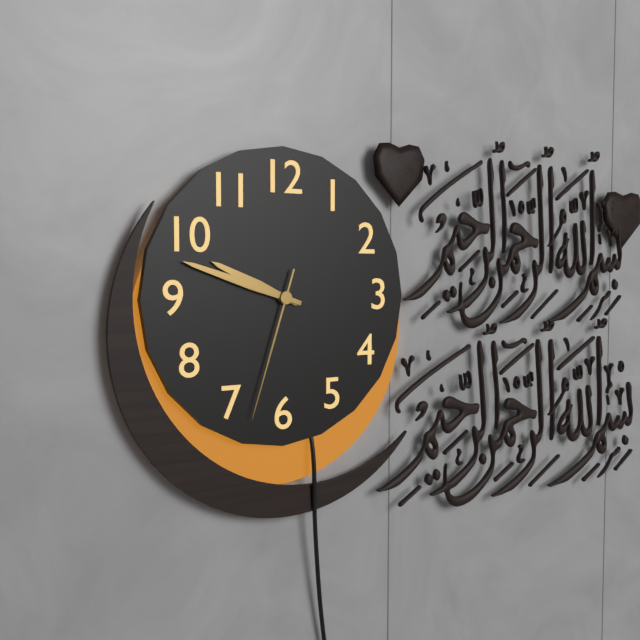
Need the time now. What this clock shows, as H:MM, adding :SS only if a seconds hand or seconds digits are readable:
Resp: 9:48:33
